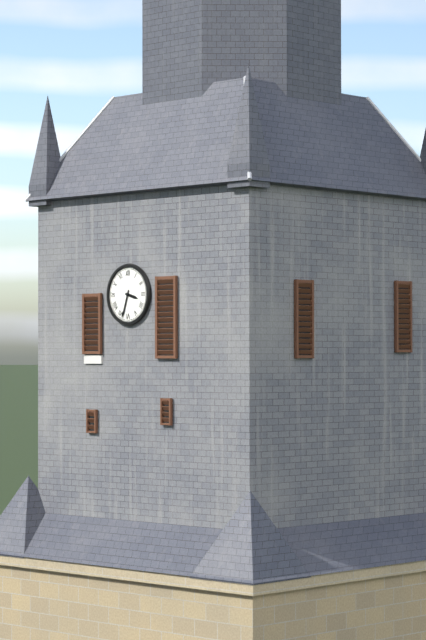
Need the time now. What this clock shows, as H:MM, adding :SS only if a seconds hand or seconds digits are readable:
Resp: 3:33
